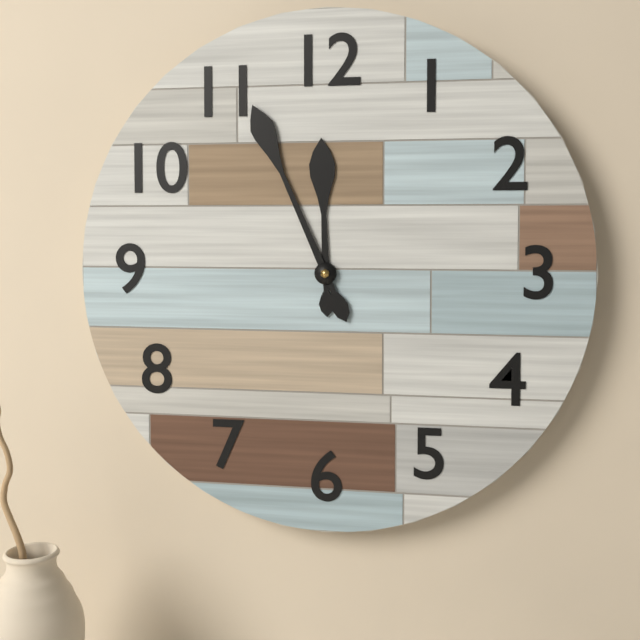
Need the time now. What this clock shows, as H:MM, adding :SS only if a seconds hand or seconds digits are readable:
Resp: 11:56
